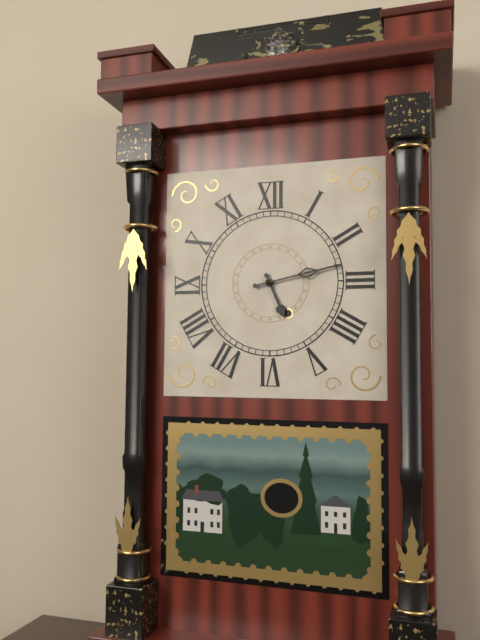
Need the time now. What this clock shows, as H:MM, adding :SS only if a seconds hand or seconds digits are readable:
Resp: 5:13
